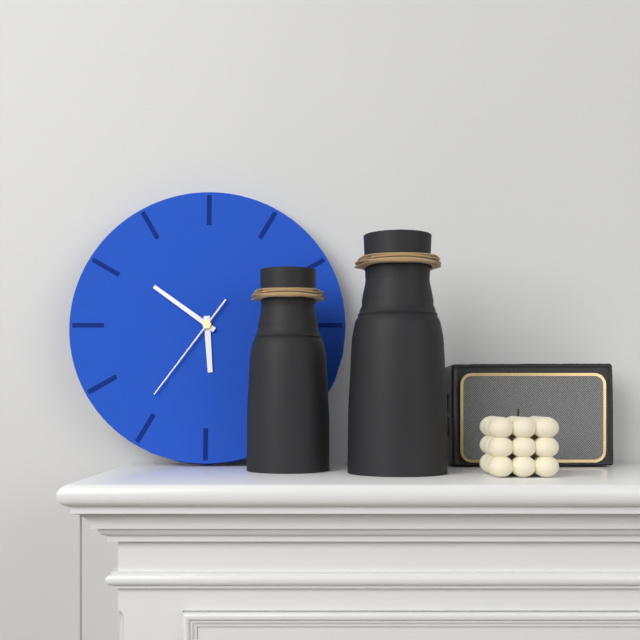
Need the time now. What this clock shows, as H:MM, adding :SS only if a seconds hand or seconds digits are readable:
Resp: 5:51:36
